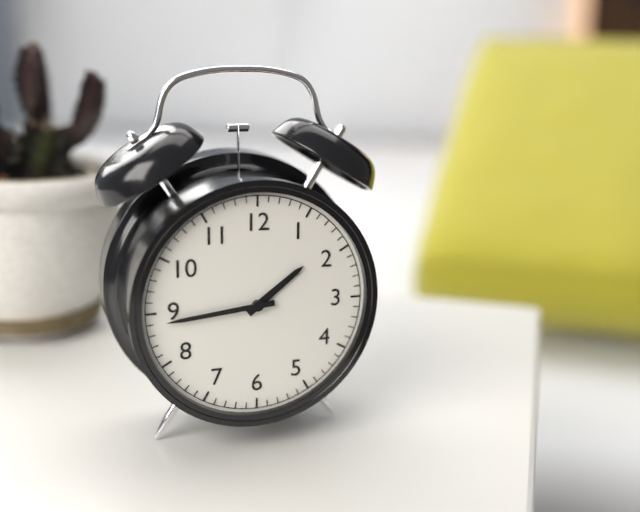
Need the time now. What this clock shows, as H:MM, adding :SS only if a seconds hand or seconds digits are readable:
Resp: 1:44
